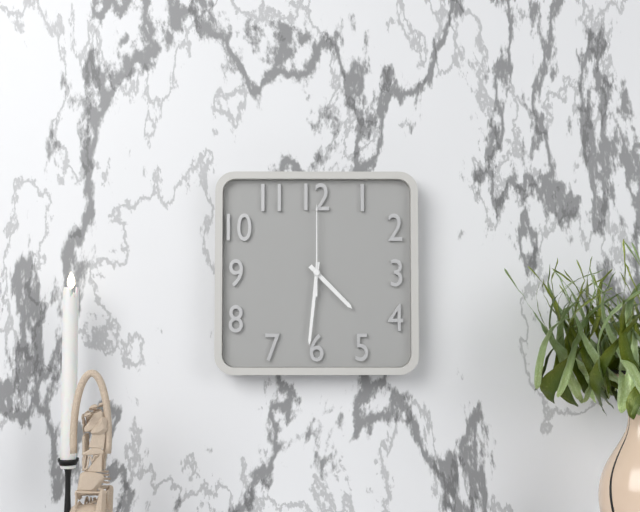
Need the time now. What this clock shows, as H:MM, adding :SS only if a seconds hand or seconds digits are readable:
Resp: 4:31:00
